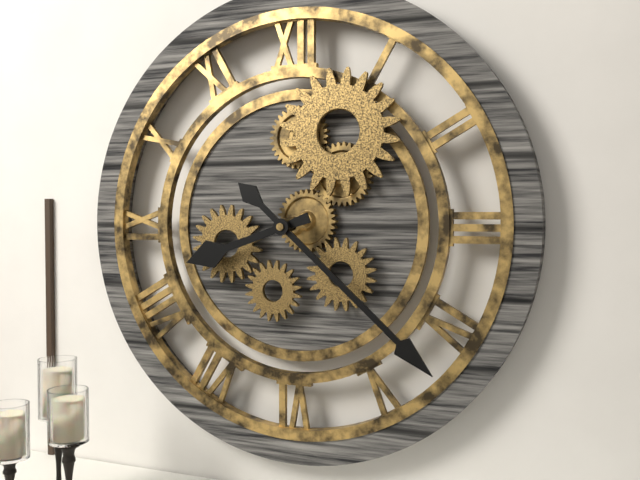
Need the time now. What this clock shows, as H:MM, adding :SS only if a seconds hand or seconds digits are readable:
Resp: 8:22
